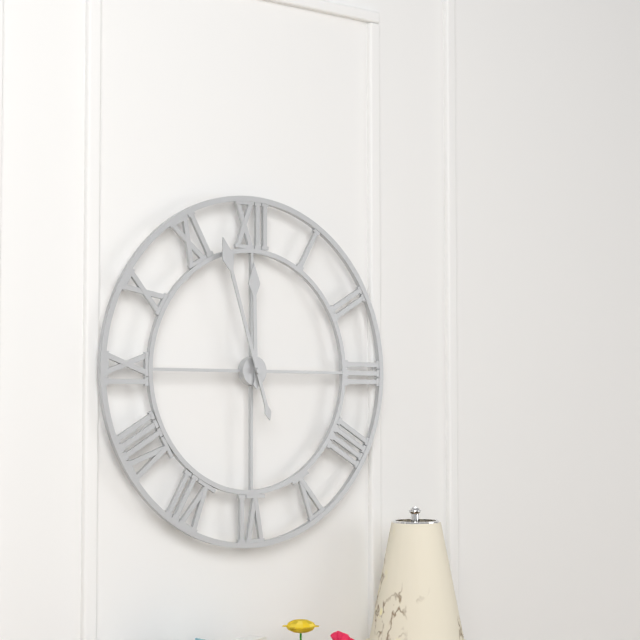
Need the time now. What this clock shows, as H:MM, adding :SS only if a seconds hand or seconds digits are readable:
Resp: 11:57
